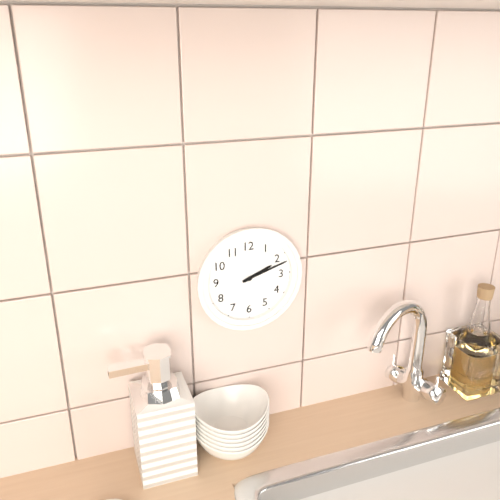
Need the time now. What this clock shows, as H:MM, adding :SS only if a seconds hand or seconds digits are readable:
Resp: 2:12
